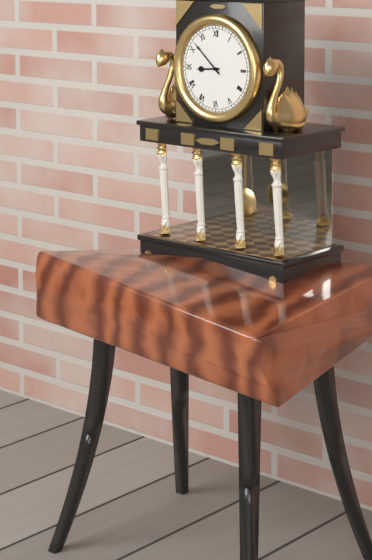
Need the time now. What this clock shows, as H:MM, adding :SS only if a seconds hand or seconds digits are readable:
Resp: 8:52
